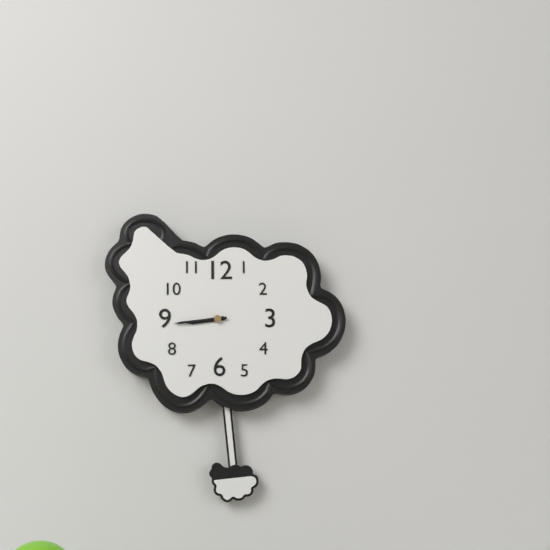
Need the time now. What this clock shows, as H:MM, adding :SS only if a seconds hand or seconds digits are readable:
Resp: 8:44
